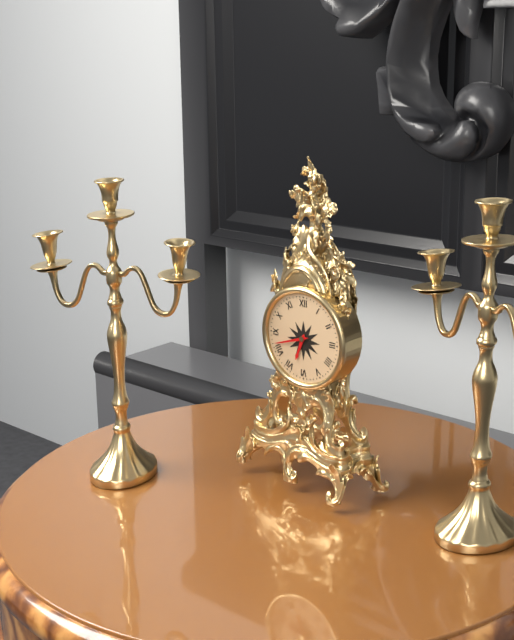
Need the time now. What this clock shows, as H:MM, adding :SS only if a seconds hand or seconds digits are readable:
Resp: 6:42
